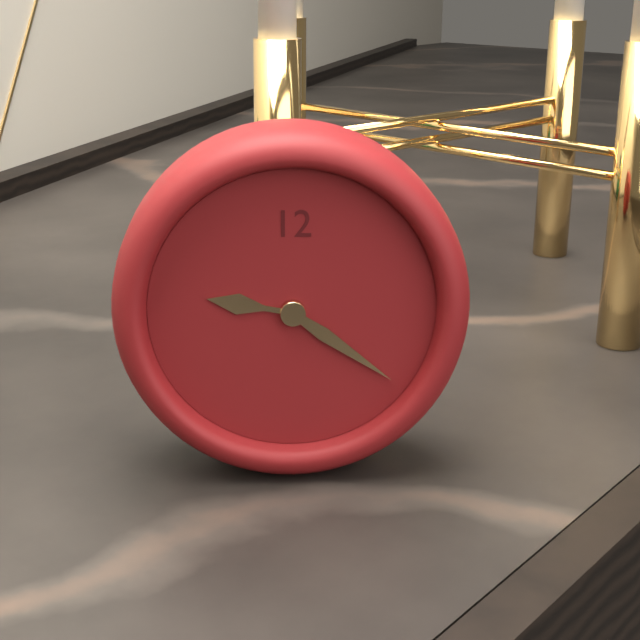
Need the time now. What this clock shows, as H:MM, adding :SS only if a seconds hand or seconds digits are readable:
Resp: 9:21
